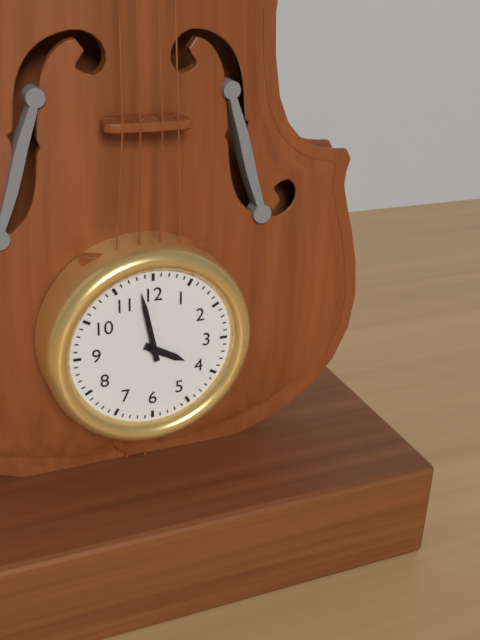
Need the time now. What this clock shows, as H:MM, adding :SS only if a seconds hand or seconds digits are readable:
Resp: 3:58
